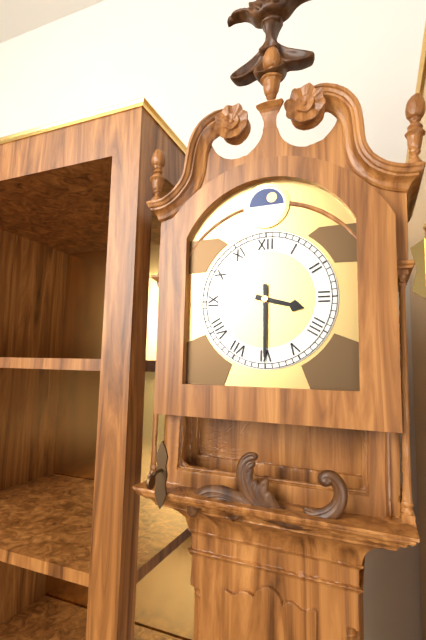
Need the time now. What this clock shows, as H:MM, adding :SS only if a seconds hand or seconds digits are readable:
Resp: 3:30
